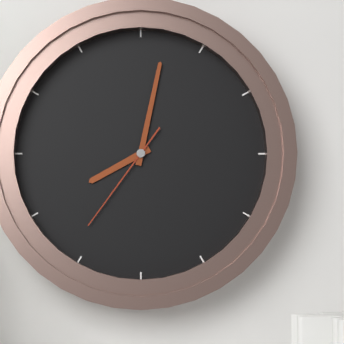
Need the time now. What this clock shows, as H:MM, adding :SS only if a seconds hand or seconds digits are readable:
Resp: 8:02:36
